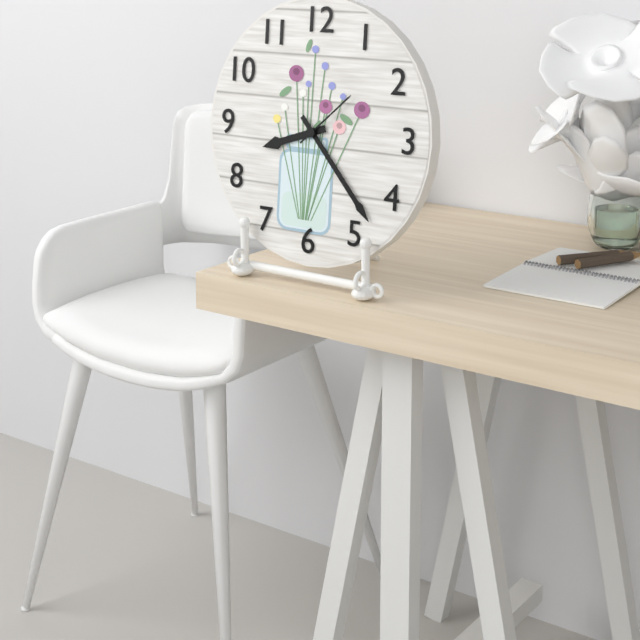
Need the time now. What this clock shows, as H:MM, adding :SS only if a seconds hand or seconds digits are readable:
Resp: 8:23:08
